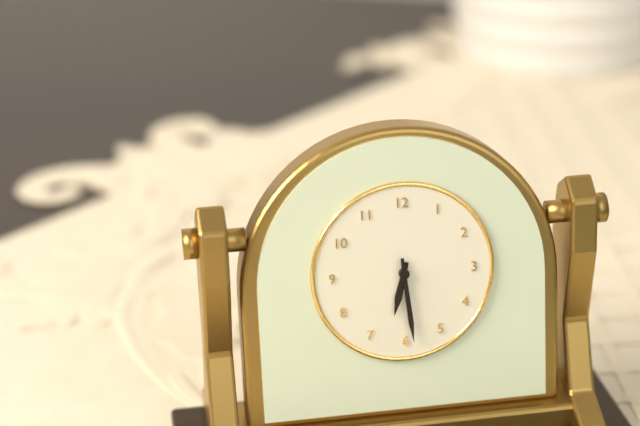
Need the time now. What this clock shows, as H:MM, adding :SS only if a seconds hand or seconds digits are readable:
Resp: 6:29
